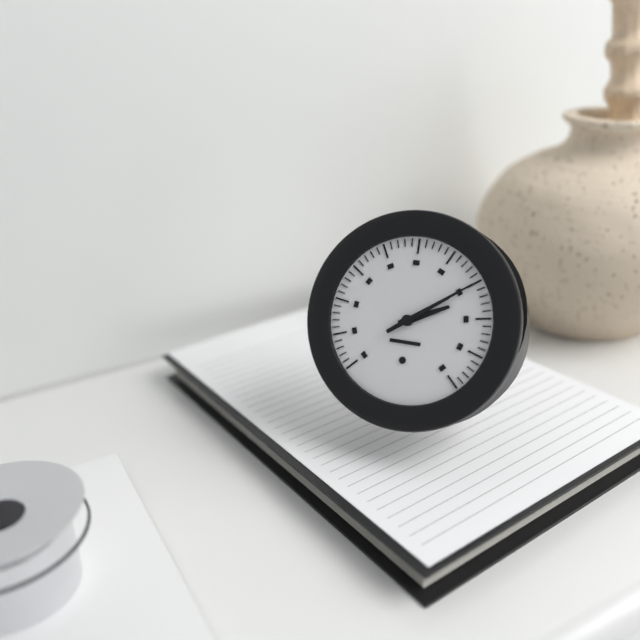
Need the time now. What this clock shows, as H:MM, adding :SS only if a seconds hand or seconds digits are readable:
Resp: 2:09
